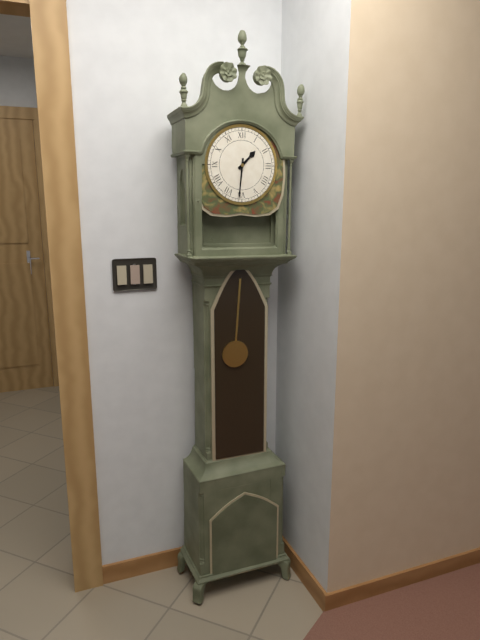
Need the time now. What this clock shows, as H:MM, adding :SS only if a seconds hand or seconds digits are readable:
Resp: 1:31
